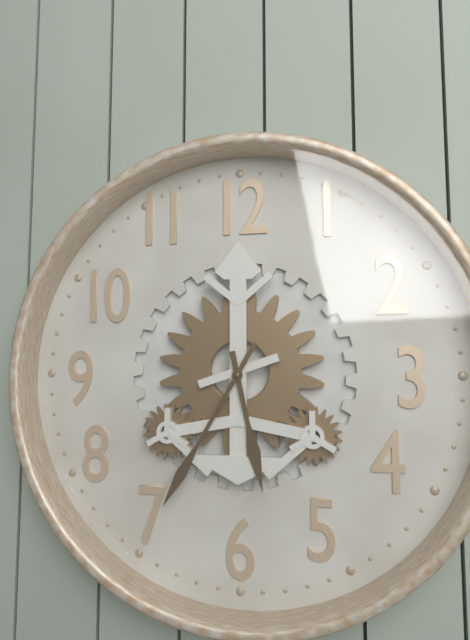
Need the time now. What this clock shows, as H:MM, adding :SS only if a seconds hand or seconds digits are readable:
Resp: 5:35
